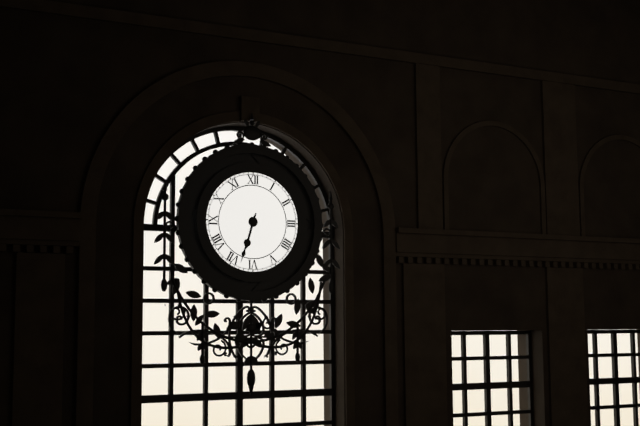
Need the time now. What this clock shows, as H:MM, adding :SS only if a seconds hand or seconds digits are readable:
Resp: 6:33
